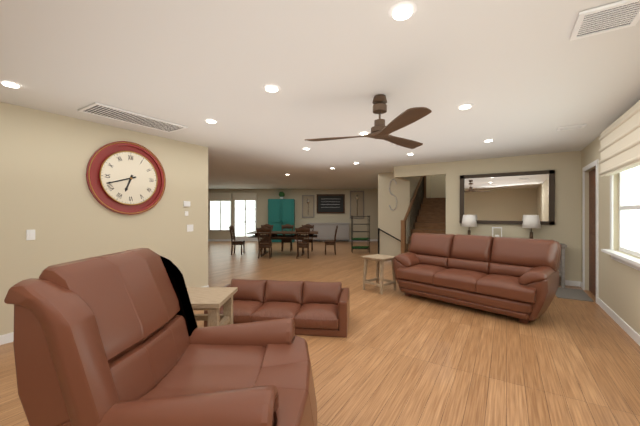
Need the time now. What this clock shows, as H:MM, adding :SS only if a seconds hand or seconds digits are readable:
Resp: 6:42
